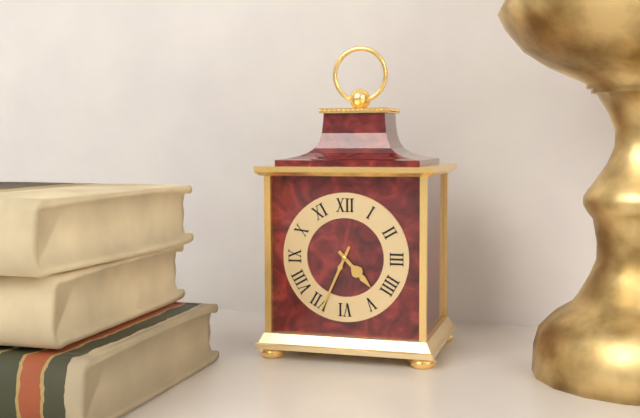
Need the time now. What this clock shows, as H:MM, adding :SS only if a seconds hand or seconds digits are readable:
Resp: 4:34
